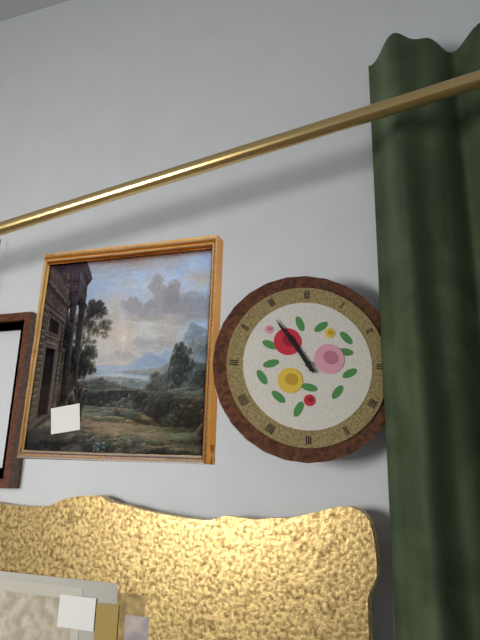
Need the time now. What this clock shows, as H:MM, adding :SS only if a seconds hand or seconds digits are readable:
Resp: 10:54
